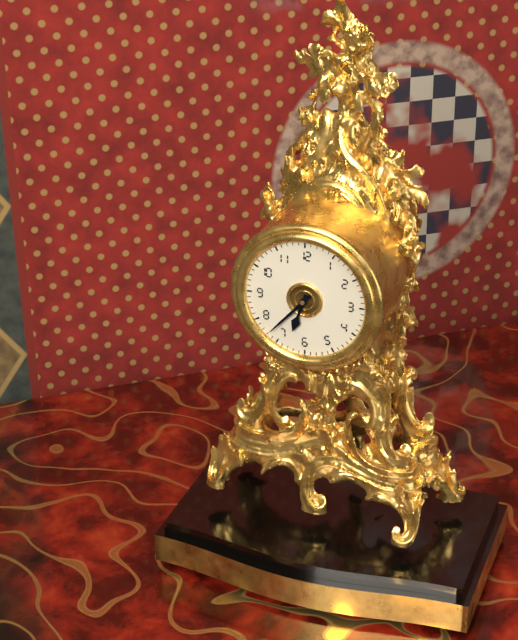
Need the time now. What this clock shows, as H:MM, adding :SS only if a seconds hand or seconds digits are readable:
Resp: 6:37
